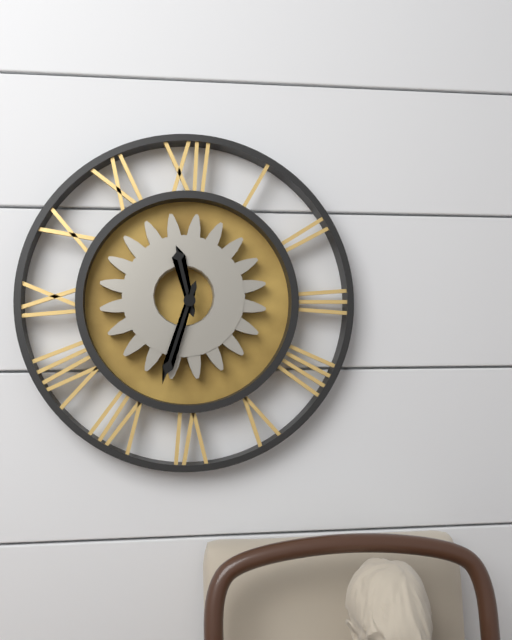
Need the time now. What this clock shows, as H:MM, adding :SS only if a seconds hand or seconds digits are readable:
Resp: 11:33
